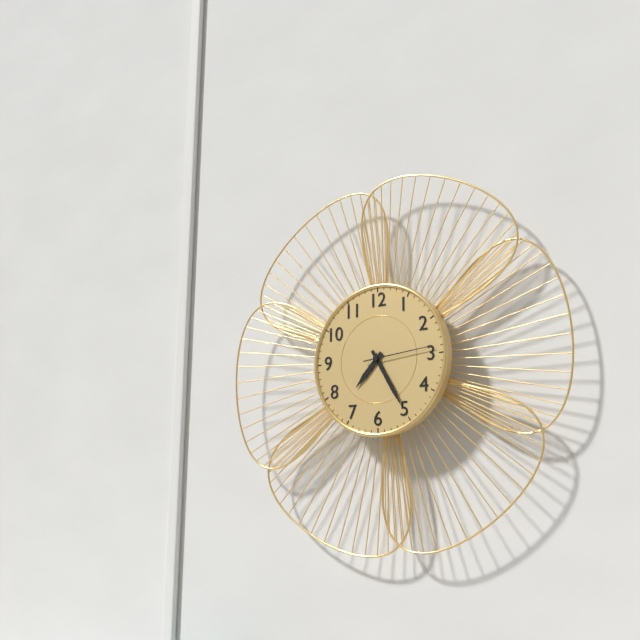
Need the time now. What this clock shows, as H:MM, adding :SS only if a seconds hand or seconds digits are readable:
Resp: 7:25:14
